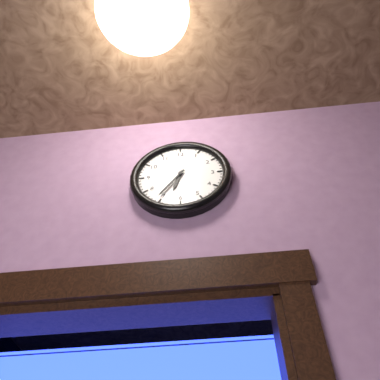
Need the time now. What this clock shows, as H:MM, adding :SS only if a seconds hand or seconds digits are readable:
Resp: 6:36
